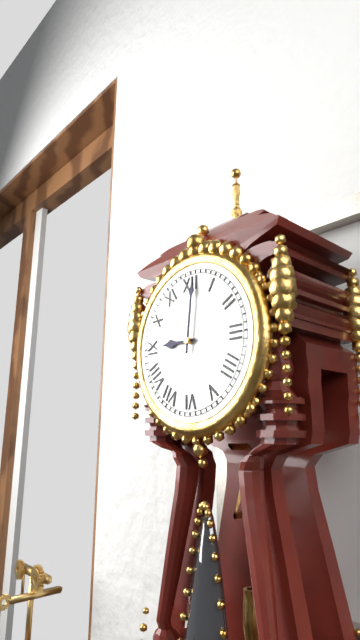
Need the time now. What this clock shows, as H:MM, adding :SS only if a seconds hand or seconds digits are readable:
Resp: 9:01
